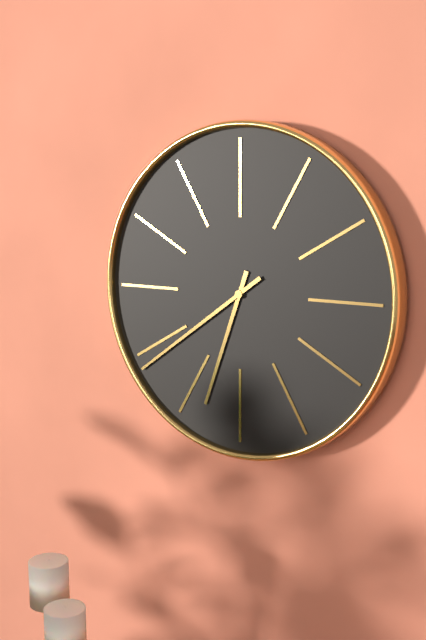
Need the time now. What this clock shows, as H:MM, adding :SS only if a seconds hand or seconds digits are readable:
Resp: 6:39
